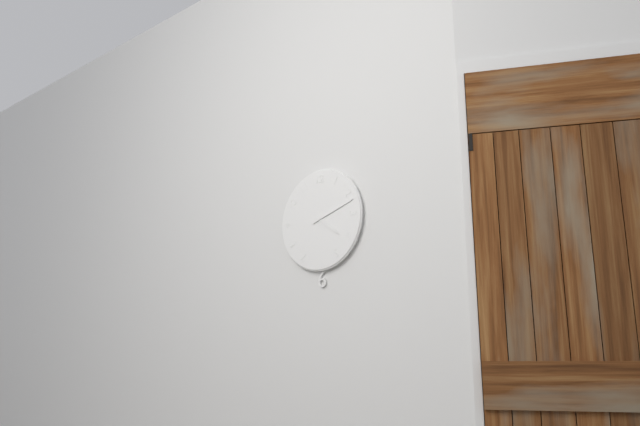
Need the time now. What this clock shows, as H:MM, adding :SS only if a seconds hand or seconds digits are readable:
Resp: 4:12
